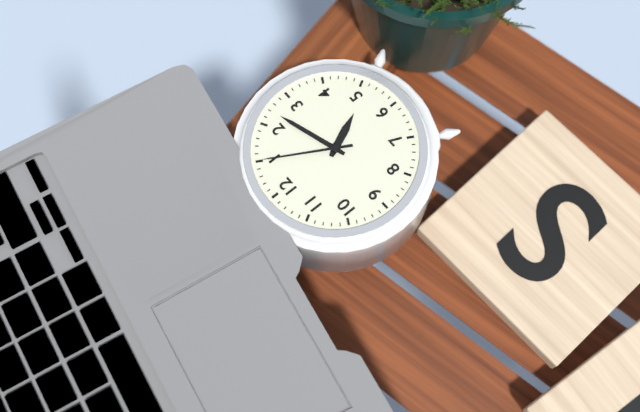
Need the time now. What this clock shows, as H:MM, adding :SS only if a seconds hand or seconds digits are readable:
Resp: 5:12:05
